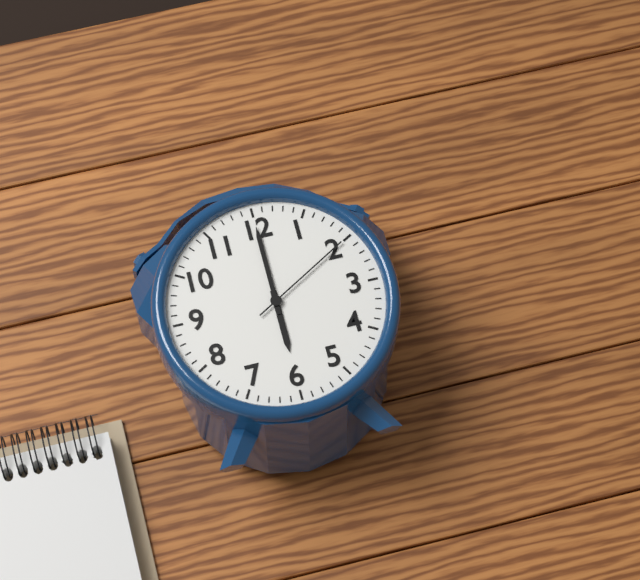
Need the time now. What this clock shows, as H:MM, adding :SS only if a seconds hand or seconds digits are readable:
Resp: 6:00:10
